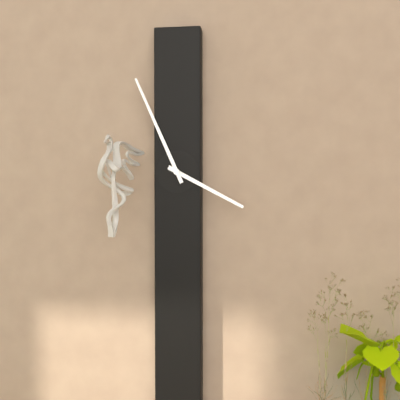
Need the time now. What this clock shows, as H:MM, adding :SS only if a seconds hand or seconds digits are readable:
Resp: 3:56
